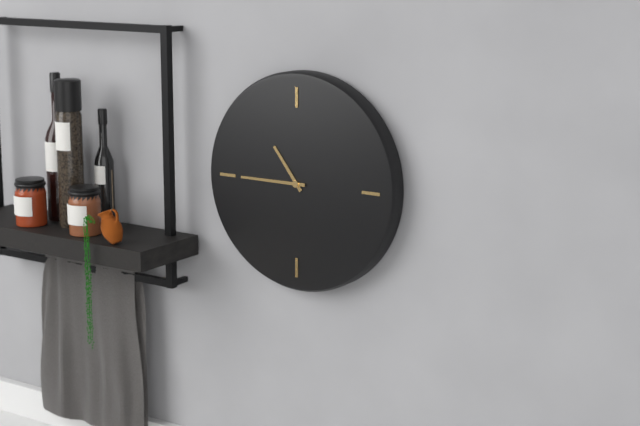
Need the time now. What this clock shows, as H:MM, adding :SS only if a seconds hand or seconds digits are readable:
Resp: 10:45
